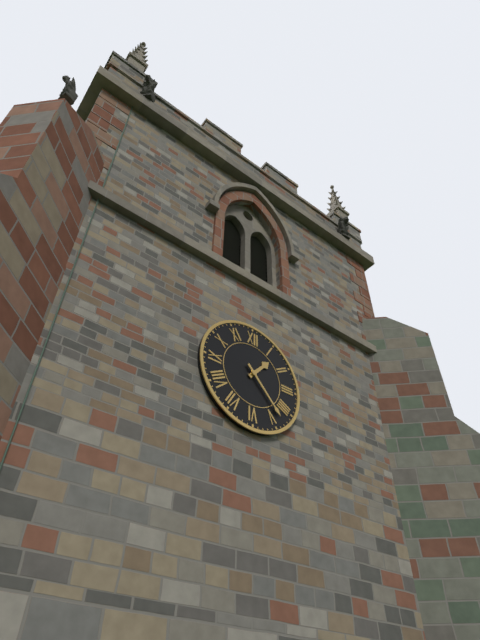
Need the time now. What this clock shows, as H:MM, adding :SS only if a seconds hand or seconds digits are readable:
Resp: 1:23
